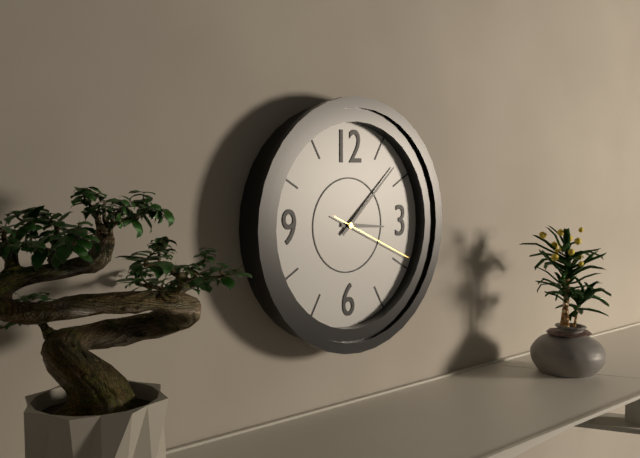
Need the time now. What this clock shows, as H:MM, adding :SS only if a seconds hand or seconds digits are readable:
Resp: 3:08:19
